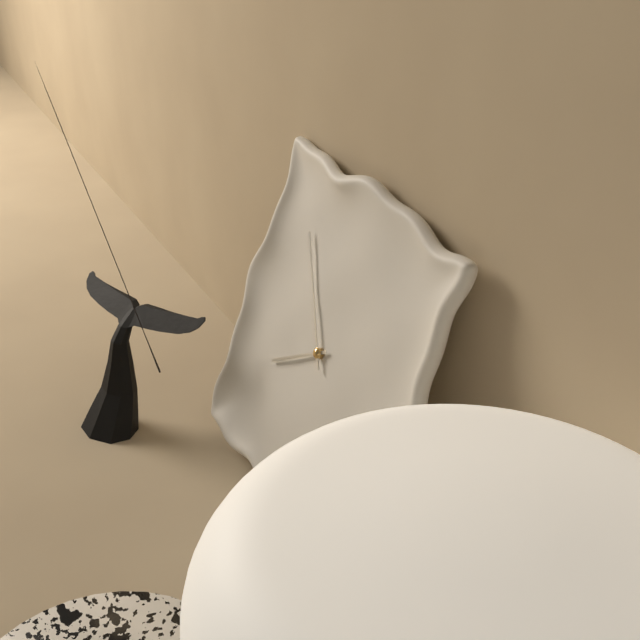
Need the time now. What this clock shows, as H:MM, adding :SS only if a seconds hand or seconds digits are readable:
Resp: 7:53
